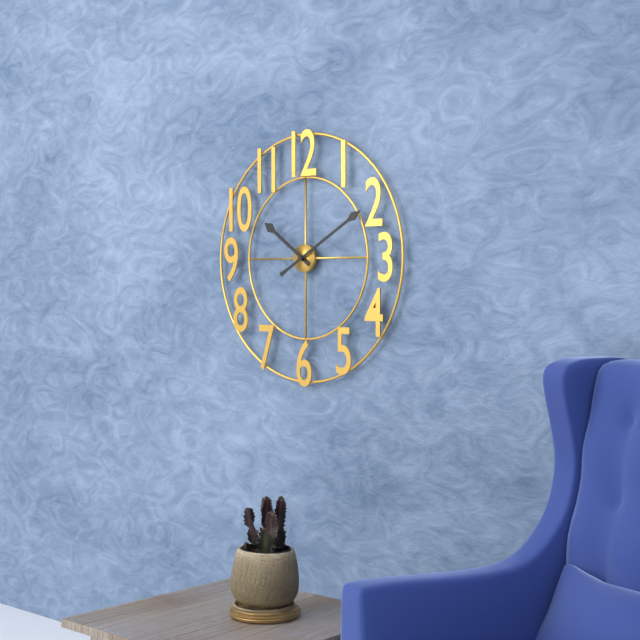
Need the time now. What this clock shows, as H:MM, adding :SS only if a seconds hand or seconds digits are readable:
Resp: 10:10
